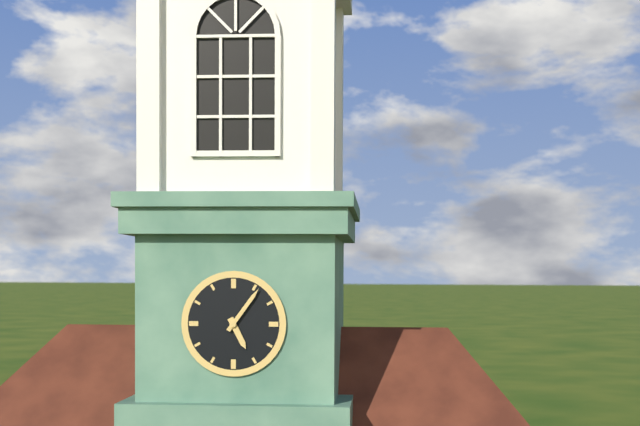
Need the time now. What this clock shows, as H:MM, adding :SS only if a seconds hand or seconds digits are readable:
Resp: 5:06
